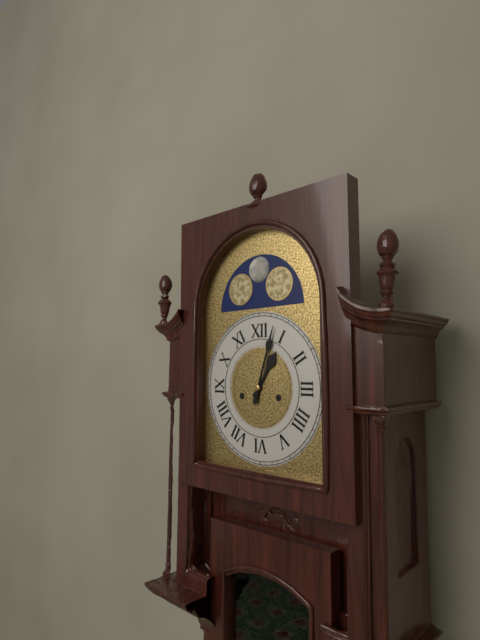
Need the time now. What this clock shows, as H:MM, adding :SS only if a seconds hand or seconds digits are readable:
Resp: 1:03
